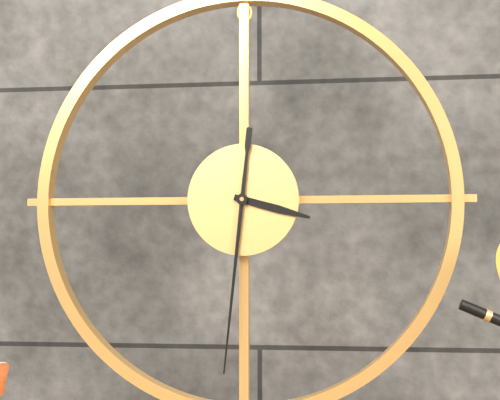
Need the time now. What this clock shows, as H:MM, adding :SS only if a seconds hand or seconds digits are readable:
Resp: 3:31
